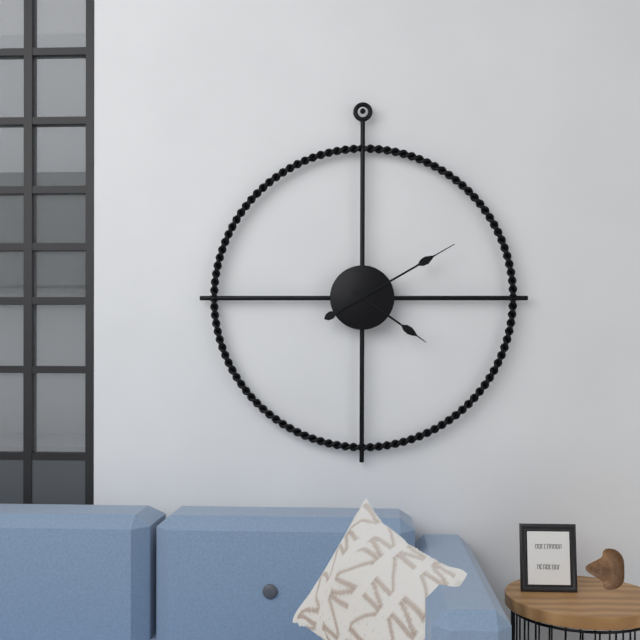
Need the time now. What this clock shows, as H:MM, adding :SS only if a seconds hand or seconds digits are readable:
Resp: 4:10
